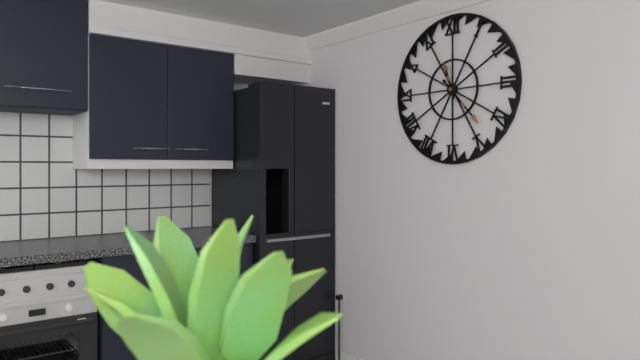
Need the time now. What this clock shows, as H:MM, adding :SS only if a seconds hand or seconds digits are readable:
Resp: 11:23
